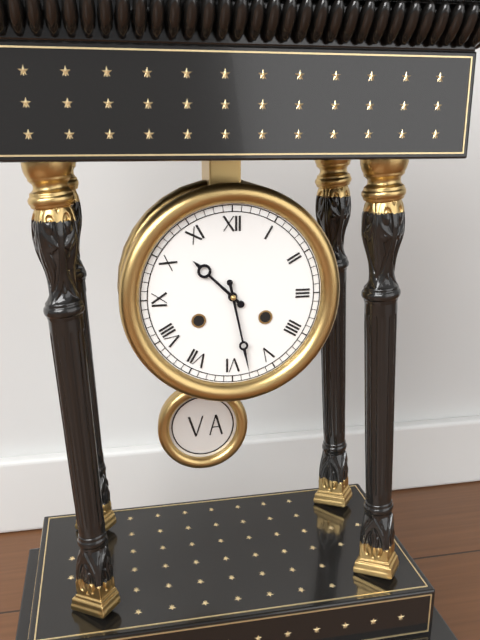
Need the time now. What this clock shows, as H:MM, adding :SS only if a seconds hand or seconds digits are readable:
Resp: 10:28
